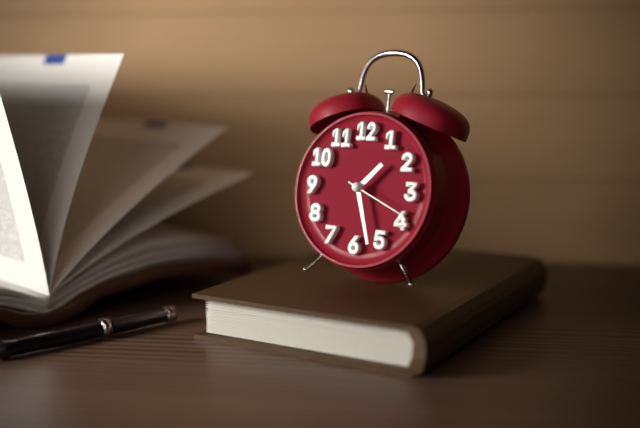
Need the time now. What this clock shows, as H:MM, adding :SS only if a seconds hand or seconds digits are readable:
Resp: 1:27:19
